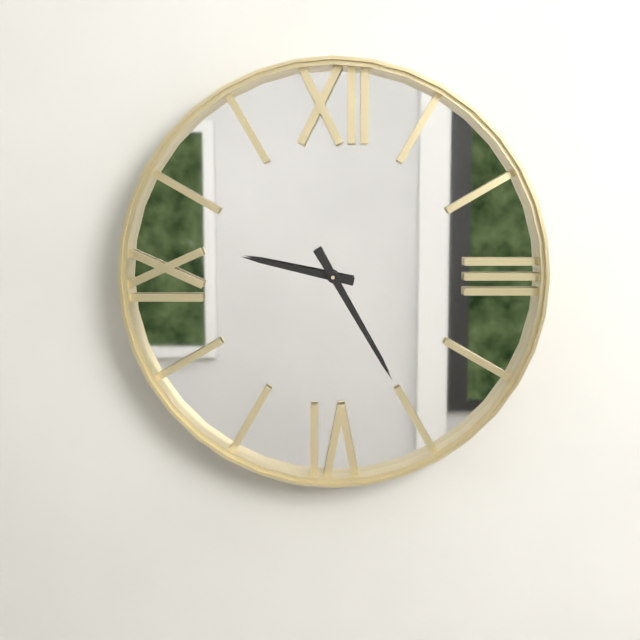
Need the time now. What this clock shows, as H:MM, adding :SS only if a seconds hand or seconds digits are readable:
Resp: 9:25
